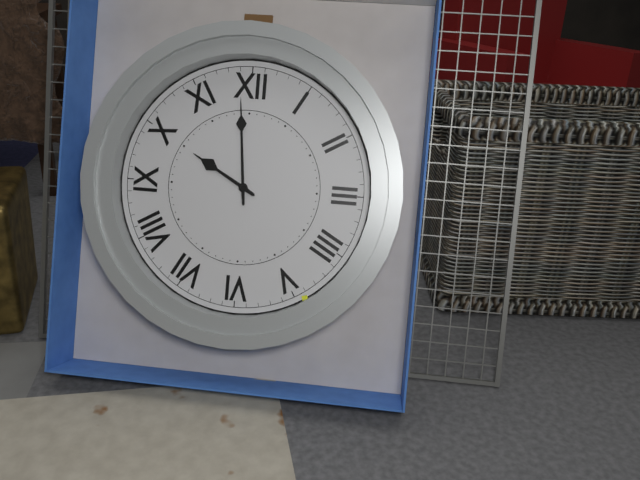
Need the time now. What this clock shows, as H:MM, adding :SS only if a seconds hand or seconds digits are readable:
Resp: 9:59
